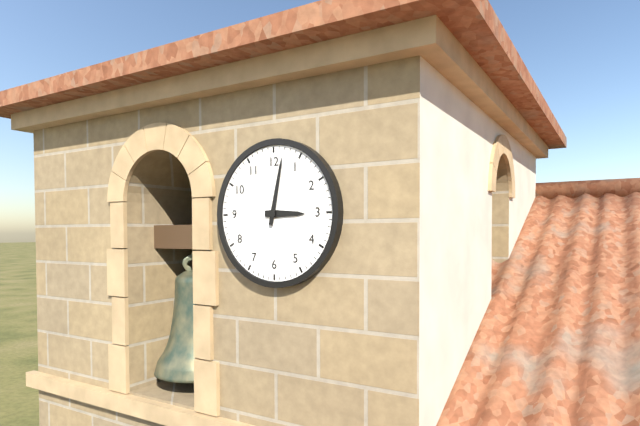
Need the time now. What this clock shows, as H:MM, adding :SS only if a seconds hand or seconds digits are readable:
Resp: 3:02
